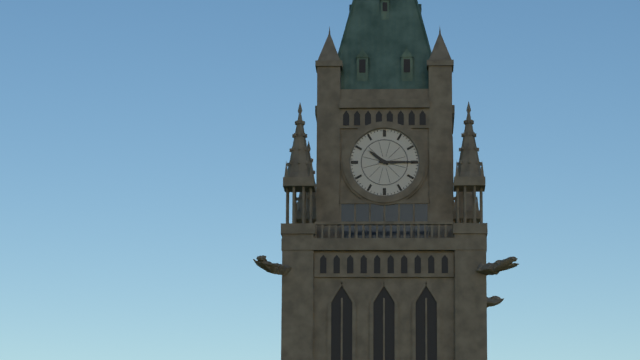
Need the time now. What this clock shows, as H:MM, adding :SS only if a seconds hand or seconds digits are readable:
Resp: 10:15
